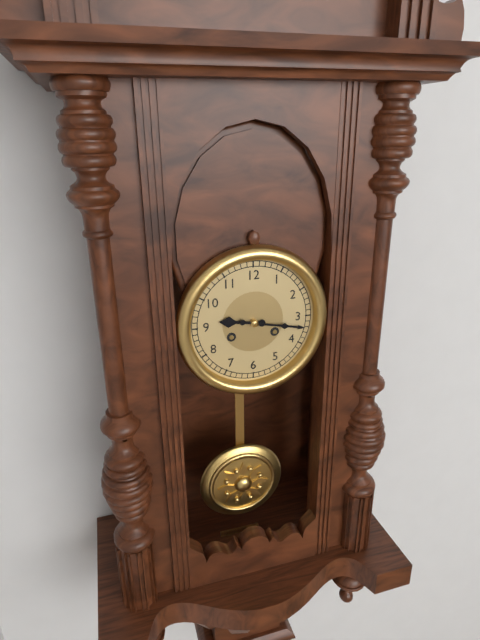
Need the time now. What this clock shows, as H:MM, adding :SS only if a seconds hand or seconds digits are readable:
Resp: 9:17
